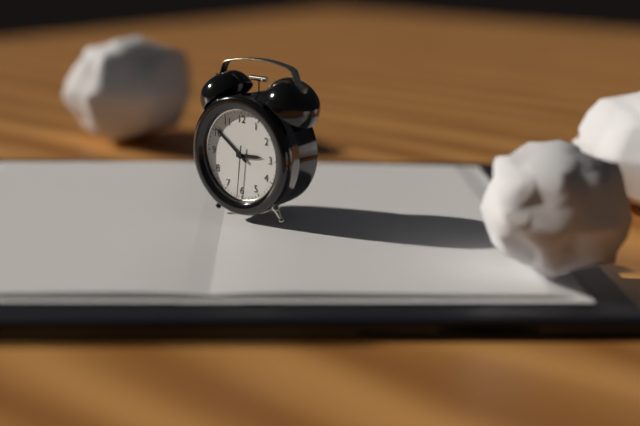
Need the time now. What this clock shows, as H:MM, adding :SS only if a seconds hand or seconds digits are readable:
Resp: 2:51:31
